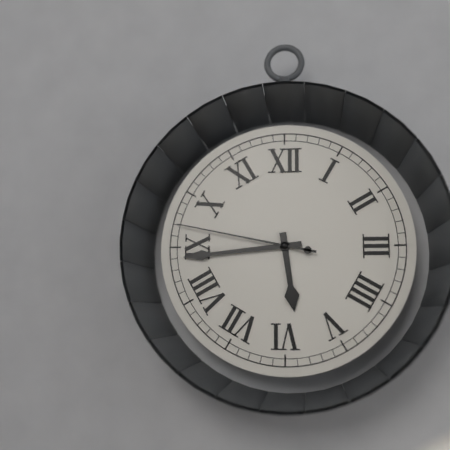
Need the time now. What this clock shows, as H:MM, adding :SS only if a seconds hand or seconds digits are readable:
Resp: 5:44:47
